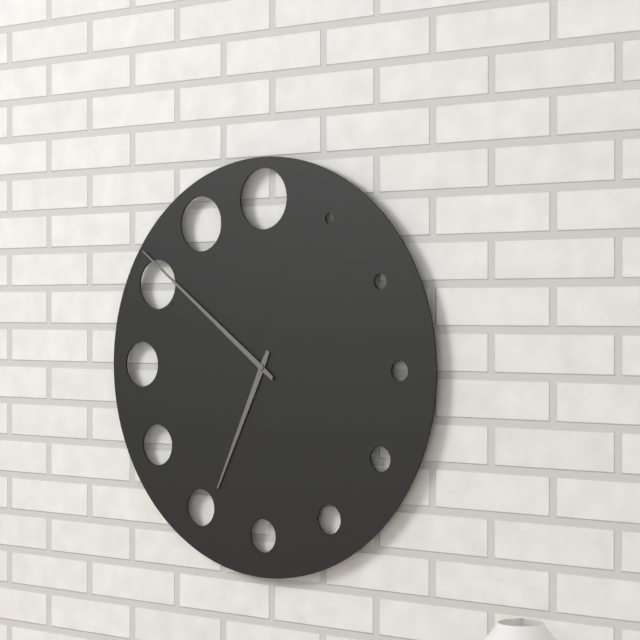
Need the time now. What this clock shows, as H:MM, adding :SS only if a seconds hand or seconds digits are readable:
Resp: 6:51
